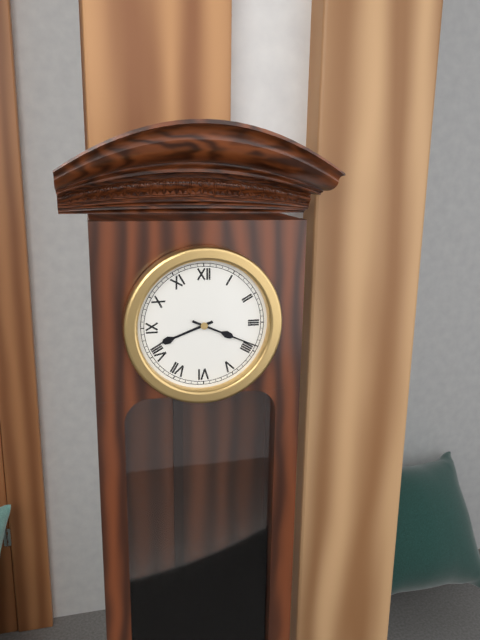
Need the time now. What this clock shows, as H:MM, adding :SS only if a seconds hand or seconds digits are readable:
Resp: 8:19
